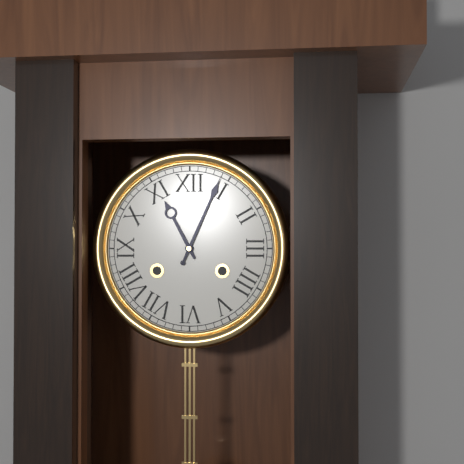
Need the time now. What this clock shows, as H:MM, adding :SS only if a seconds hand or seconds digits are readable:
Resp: 11:04
